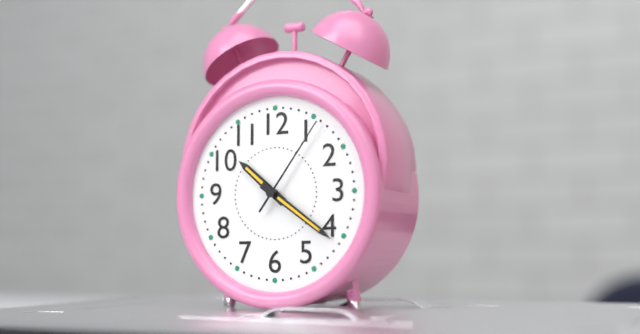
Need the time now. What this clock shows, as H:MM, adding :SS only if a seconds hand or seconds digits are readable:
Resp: 10:21:06
